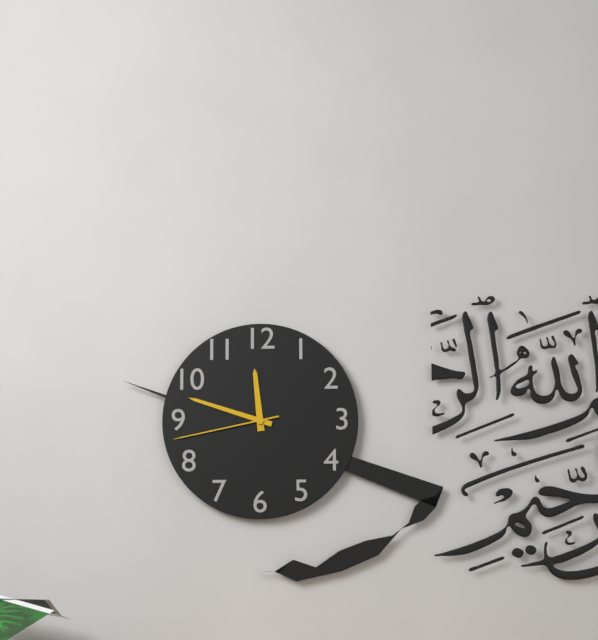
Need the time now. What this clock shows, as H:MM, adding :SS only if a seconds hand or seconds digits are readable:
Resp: 11:48:43
